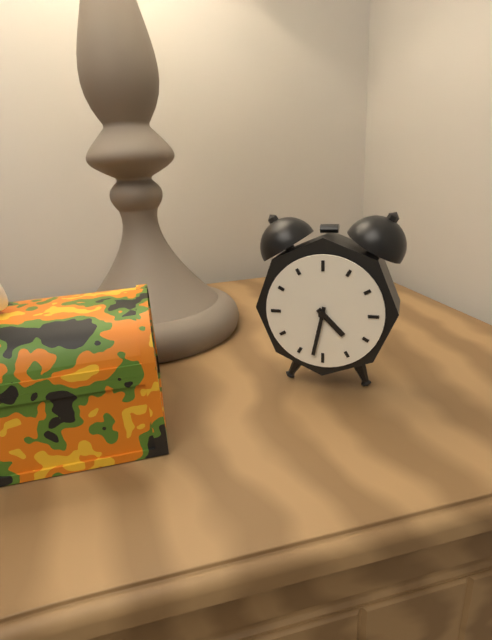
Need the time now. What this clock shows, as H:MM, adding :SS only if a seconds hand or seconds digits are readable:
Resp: 4:32
